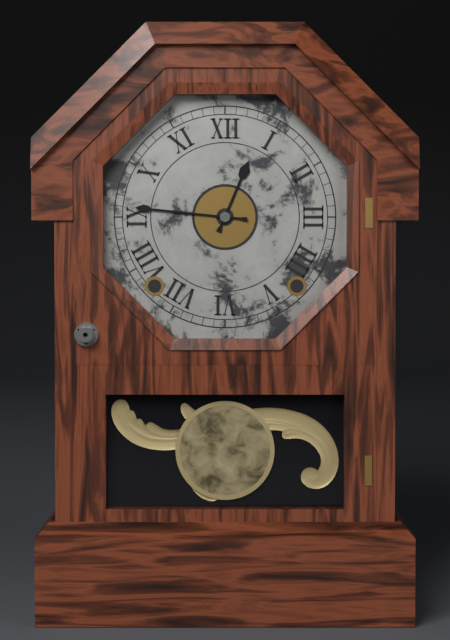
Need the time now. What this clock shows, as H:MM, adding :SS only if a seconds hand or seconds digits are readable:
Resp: 12:46
